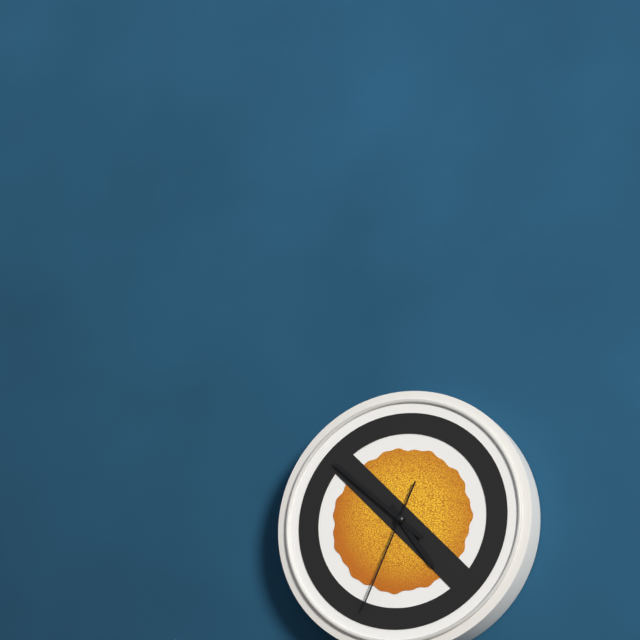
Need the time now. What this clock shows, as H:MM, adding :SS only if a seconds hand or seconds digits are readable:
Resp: 4:52:34
